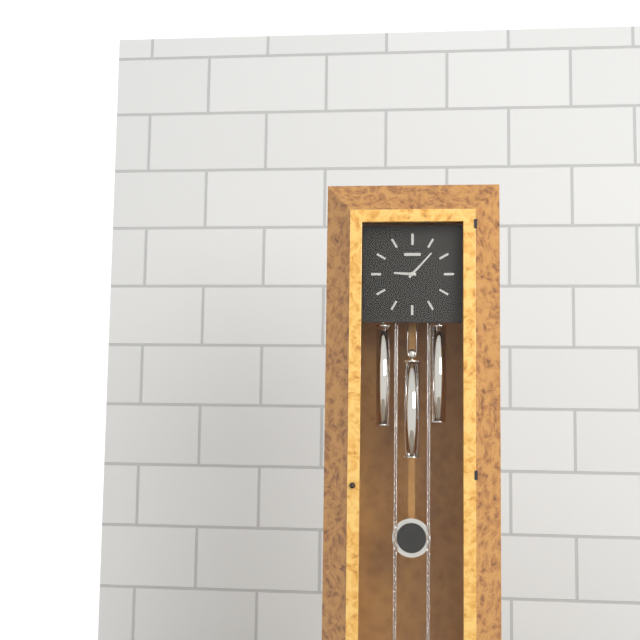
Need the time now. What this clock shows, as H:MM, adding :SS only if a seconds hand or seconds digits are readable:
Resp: 9:07
